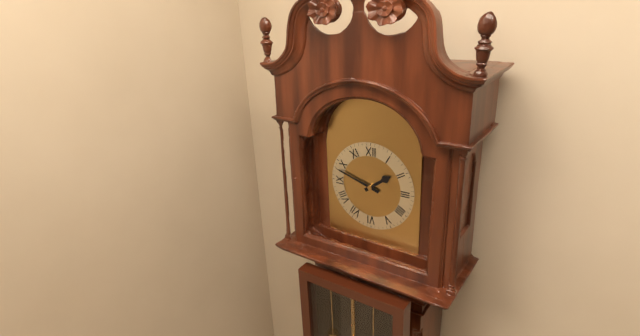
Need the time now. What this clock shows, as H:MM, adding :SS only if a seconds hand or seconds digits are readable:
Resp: 1:48
